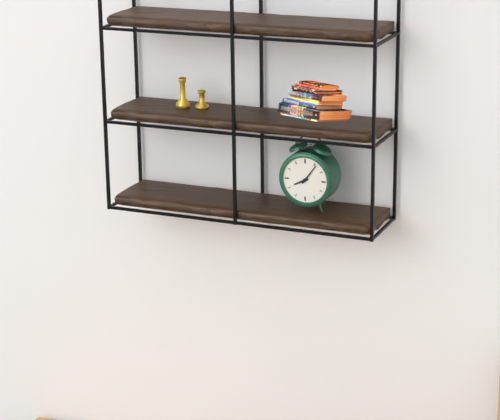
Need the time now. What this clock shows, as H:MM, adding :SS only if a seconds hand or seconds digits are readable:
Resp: 8:06
